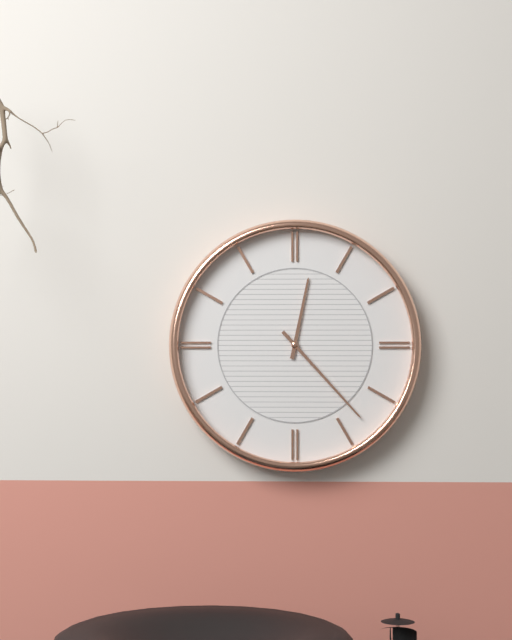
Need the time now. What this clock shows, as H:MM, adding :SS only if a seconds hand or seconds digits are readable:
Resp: 12:23
